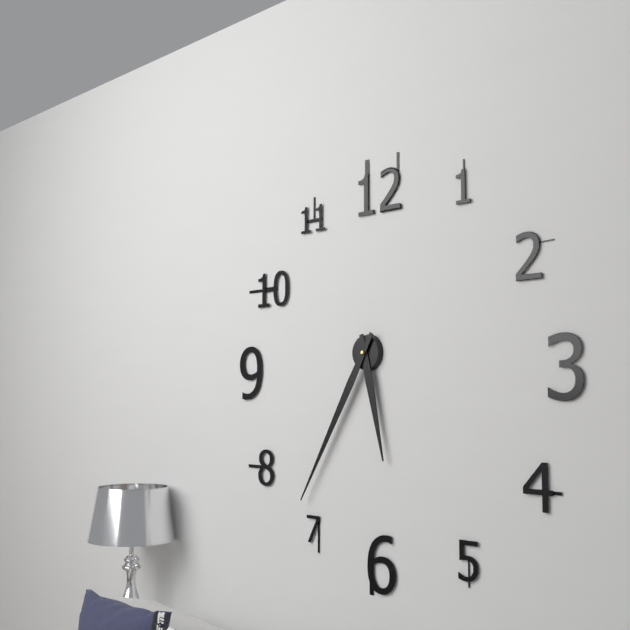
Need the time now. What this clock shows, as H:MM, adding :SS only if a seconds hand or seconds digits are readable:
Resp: 5:35
